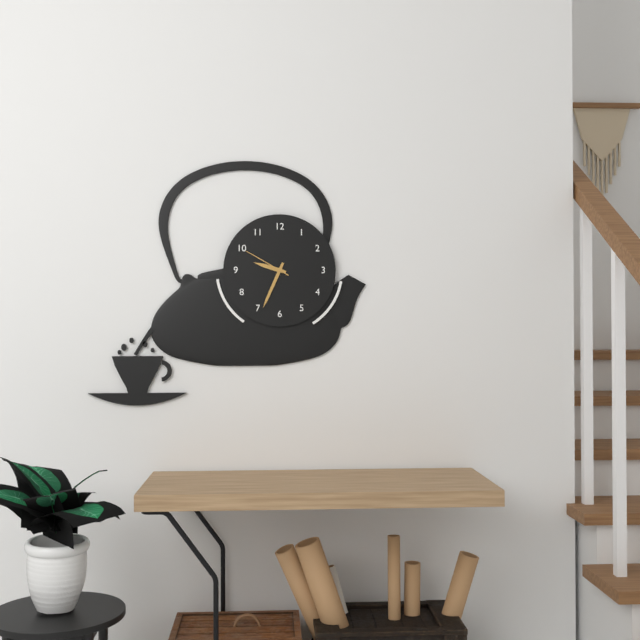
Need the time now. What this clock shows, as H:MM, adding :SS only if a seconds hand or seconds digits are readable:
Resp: 9:34:50
